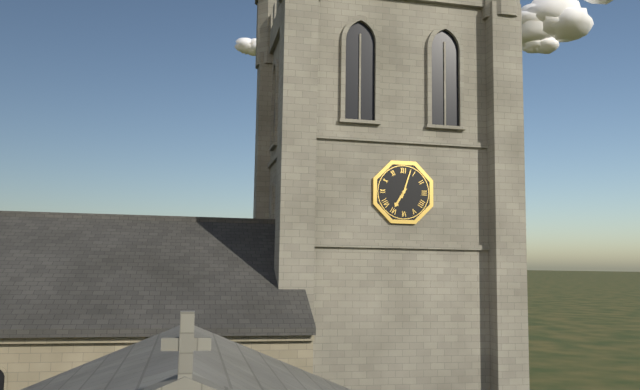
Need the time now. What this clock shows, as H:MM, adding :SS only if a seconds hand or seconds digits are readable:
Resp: 7:03
